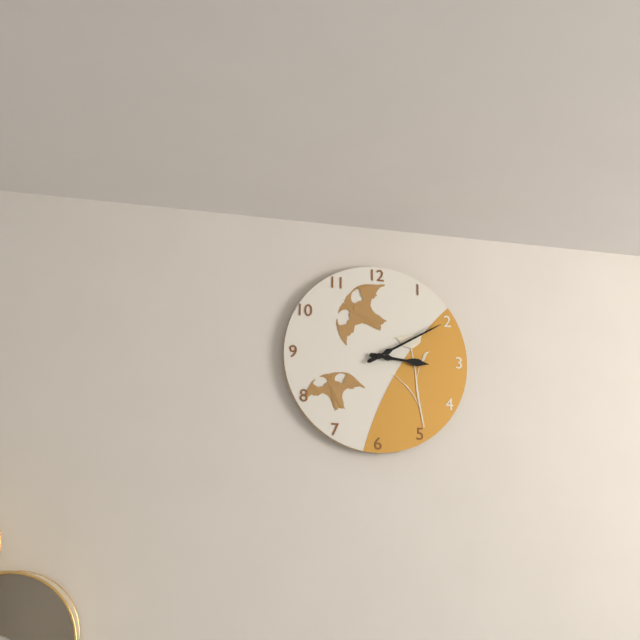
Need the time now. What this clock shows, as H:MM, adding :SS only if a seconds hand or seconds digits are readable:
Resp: 3:10
